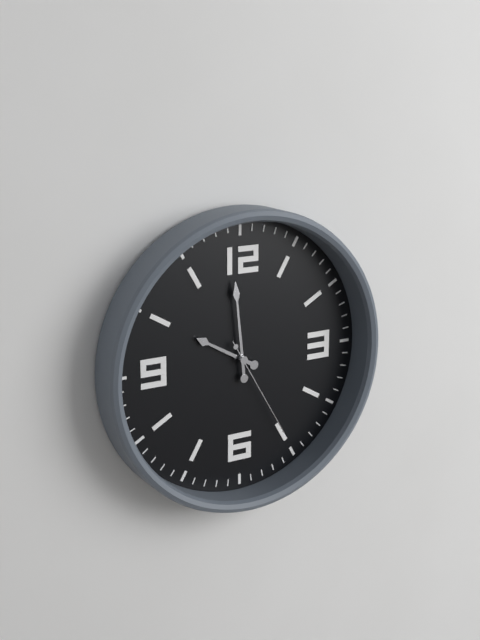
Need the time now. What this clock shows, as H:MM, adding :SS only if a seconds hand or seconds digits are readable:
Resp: 9:59:25
